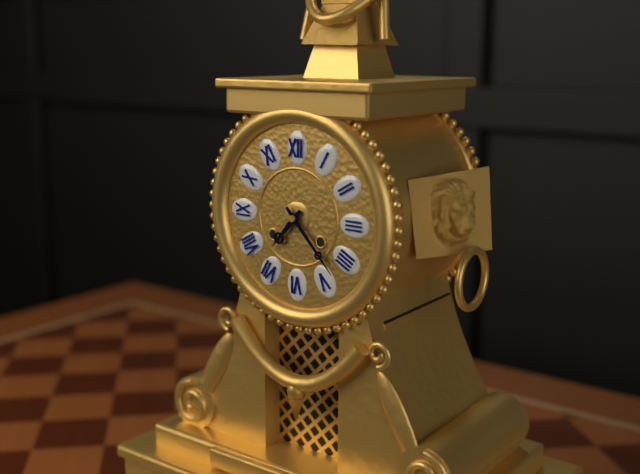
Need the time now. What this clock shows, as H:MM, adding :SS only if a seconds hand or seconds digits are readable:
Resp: 7:23
